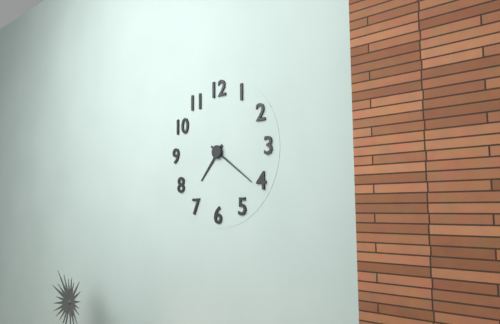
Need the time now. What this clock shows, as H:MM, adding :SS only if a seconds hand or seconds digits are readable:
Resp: 7:21
